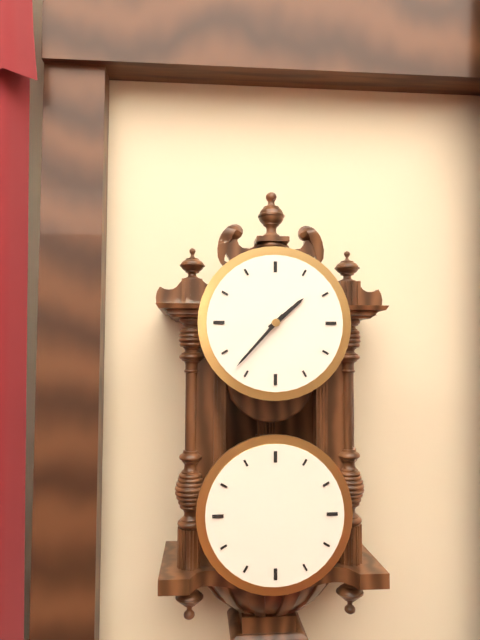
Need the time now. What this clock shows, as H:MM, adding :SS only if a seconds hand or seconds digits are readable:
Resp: 1:37
